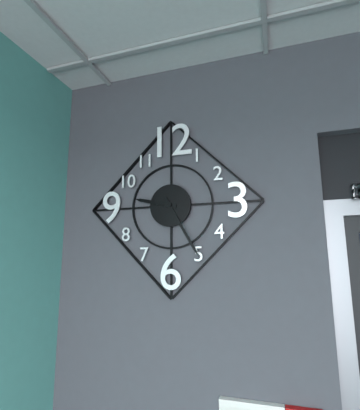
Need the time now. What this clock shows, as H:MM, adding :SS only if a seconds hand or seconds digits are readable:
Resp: 9:25
